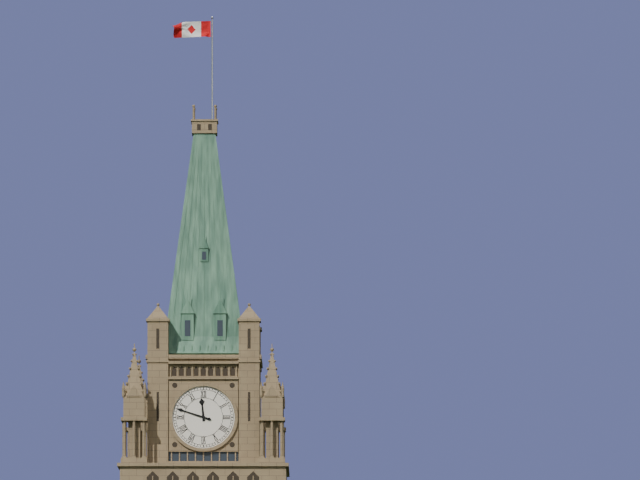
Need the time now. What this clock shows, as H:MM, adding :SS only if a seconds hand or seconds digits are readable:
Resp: 11:48
